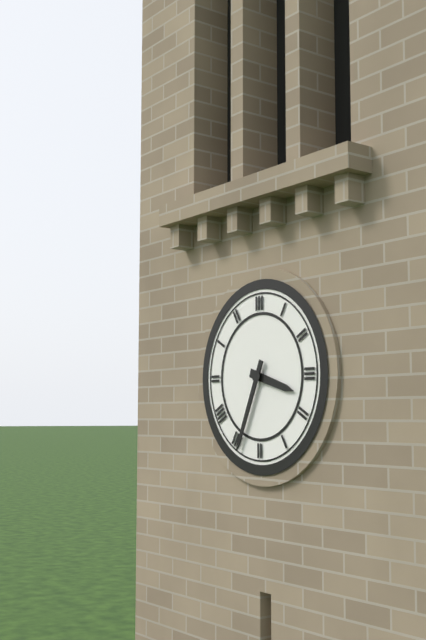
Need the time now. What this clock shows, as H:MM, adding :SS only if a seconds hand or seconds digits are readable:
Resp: 3:34
